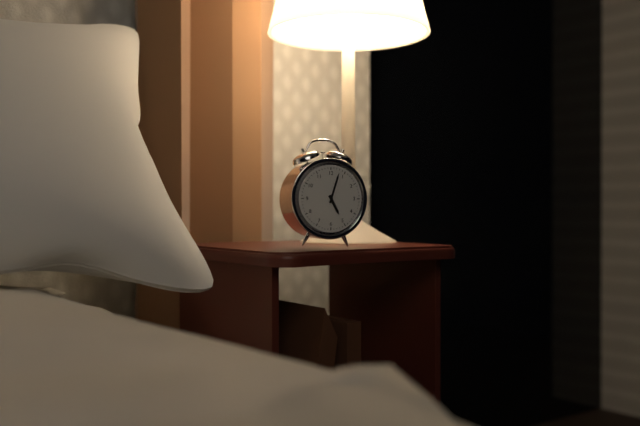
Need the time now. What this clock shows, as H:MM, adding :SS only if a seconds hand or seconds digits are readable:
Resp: 5:03
